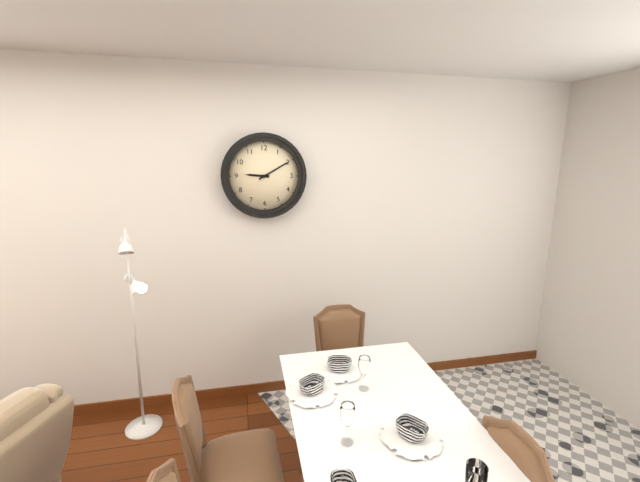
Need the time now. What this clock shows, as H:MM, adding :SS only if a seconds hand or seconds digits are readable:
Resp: 9:10
